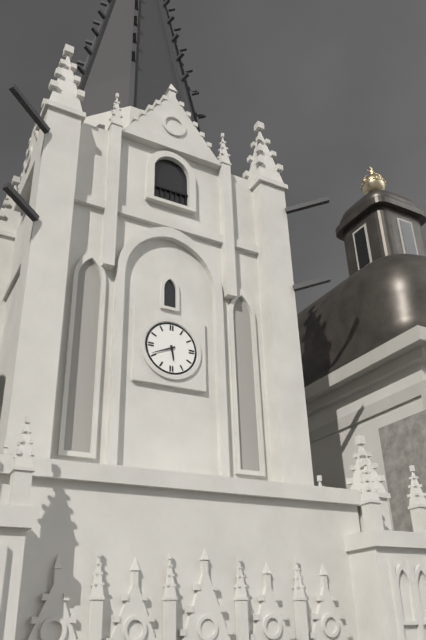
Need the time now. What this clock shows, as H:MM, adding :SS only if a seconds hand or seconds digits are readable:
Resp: 5:41
